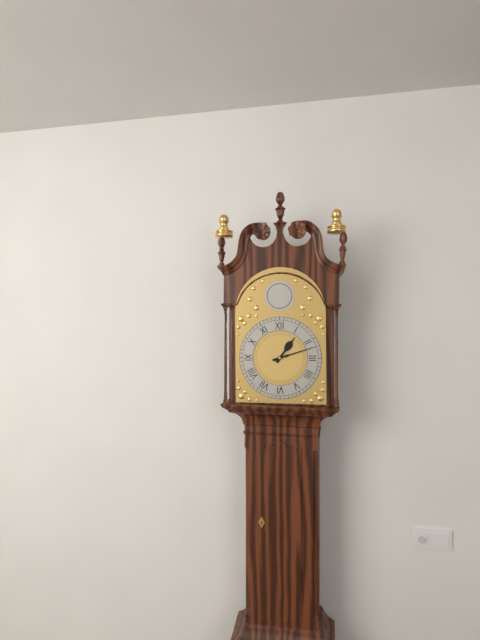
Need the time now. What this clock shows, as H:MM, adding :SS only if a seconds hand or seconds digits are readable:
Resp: 1:12
